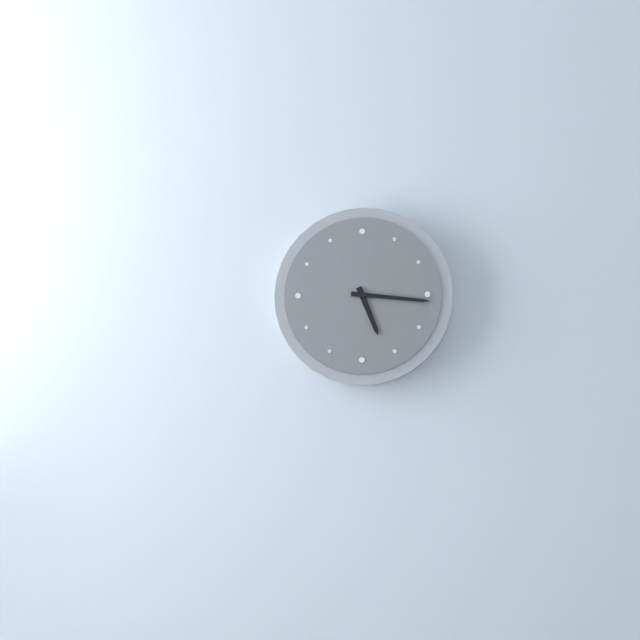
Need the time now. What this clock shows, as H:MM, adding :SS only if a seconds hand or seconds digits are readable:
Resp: 5:16
